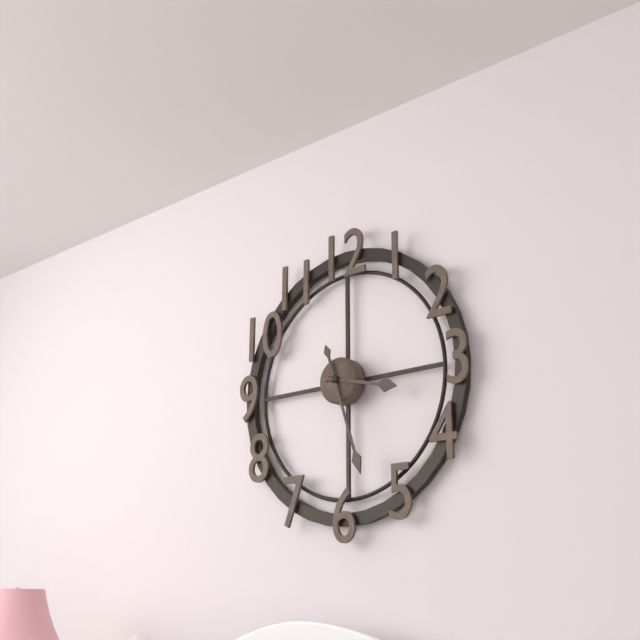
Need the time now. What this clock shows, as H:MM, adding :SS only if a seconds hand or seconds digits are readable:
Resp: 3:27
